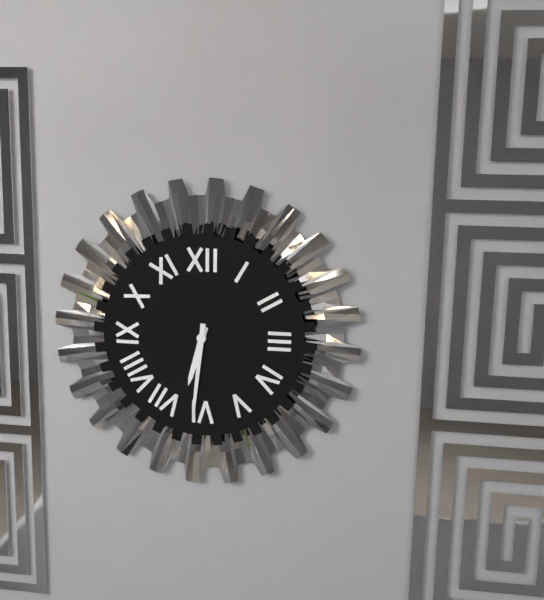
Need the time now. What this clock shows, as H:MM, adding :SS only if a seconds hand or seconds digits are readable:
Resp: 6:31
